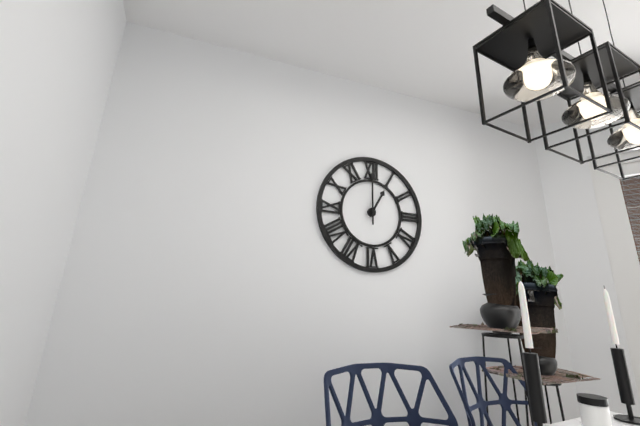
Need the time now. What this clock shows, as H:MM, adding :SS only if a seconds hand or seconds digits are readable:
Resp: 1:00
